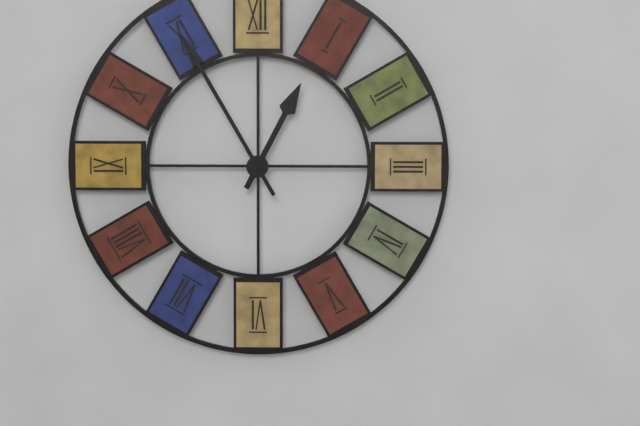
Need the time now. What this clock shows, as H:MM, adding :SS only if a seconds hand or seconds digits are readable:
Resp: 12:55
